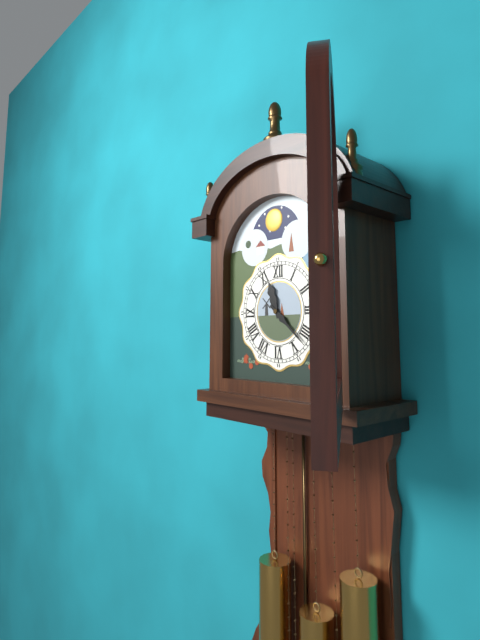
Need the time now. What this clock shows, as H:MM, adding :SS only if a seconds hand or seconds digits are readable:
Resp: 11:22
